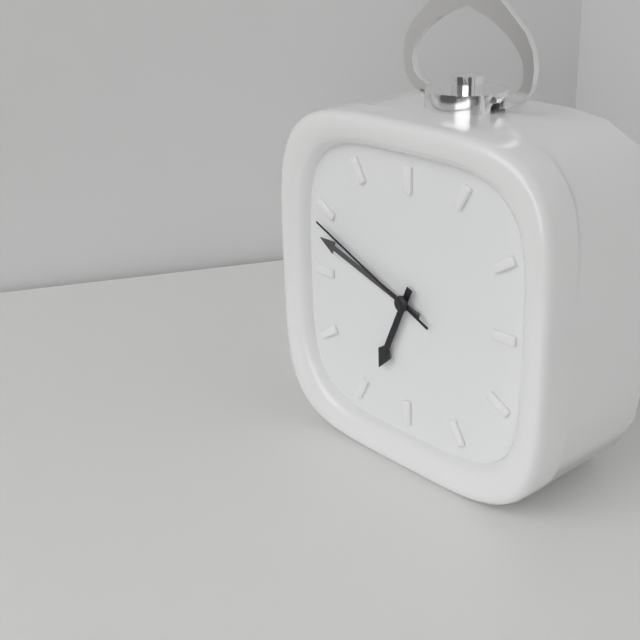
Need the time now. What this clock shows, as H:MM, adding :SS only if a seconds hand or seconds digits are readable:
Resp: 6:48:49
